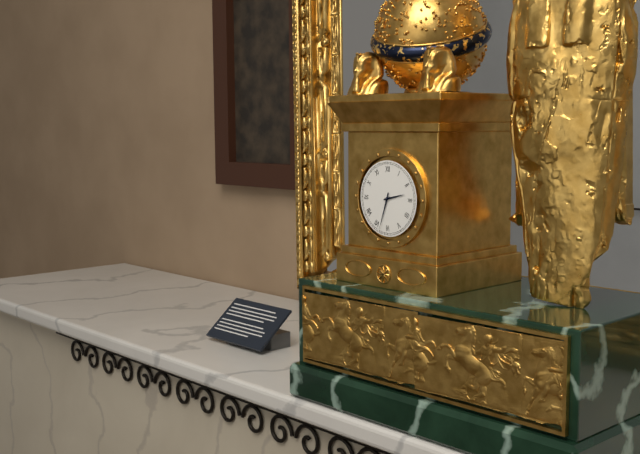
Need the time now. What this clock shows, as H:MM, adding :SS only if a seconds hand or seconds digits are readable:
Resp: 2:33
